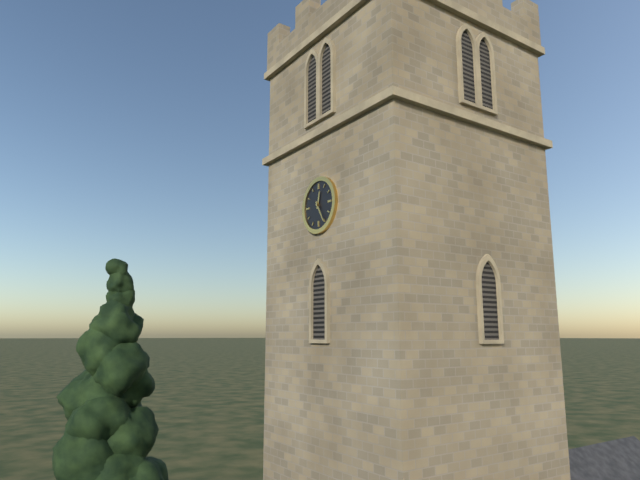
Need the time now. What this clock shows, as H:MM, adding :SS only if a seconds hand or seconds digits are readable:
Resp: 12:25
